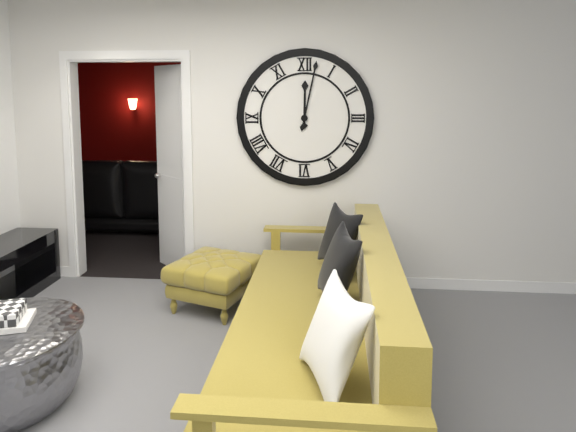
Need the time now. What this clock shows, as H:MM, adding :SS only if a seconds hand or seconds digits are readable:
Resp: 12:02
